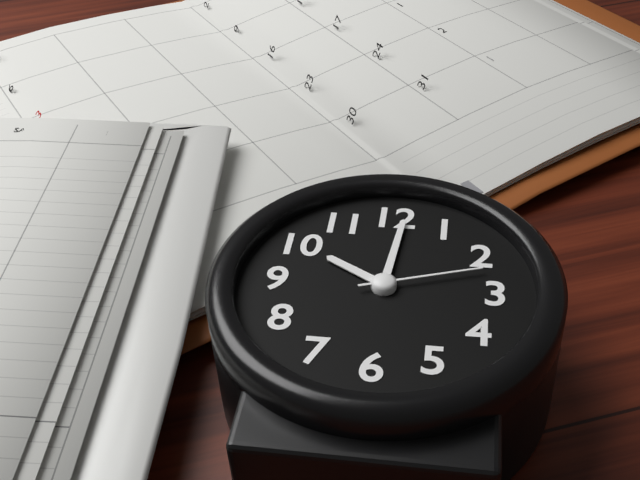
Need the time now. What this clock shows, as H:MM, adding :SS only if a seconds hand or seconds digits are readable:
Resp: 10:01:12
